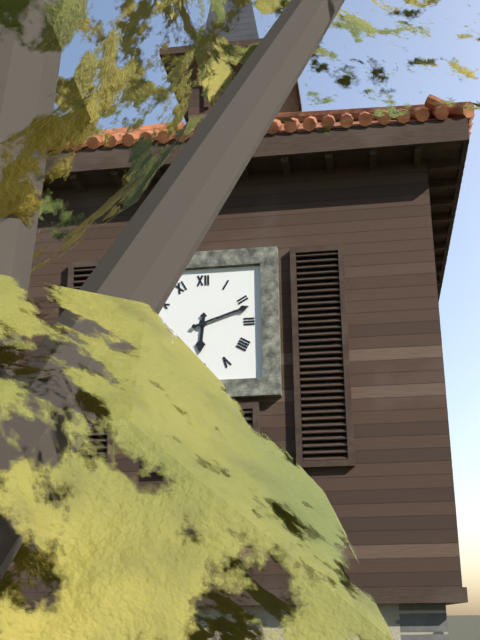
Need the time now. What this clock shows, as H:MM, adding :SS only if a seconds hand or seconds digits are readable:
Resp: 6:12
